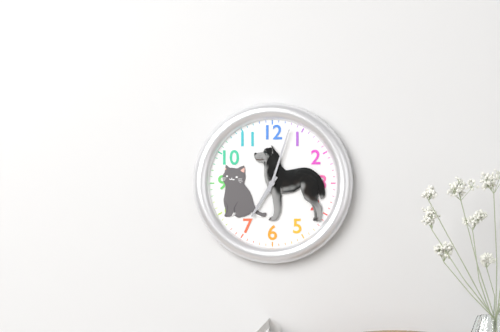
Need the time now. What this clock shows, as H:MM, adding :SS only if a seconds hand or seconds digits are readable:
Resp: 7:03
